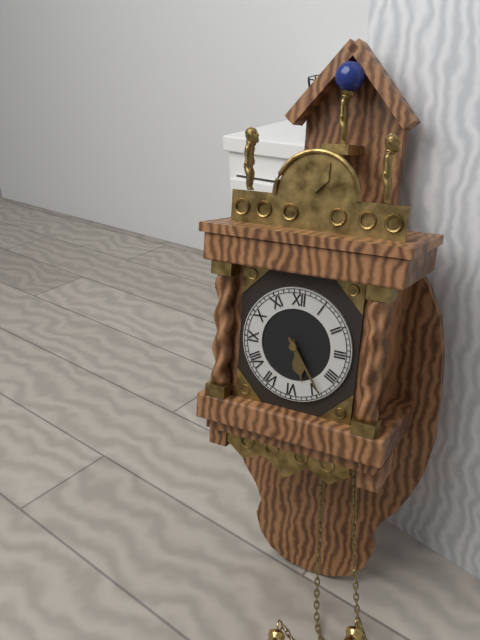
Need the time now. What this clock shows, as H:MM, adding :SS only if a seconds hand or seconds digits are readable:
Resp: 5:24
